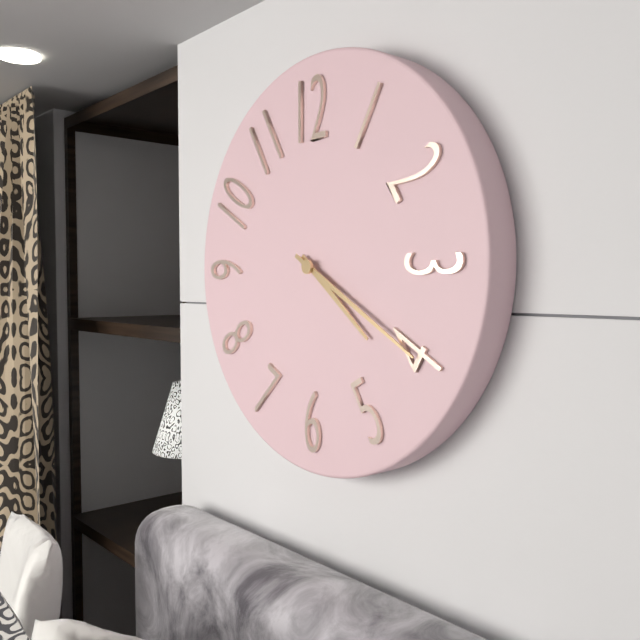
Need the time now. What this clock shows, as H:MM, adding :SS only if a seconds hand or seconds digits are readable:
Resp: 4:20
